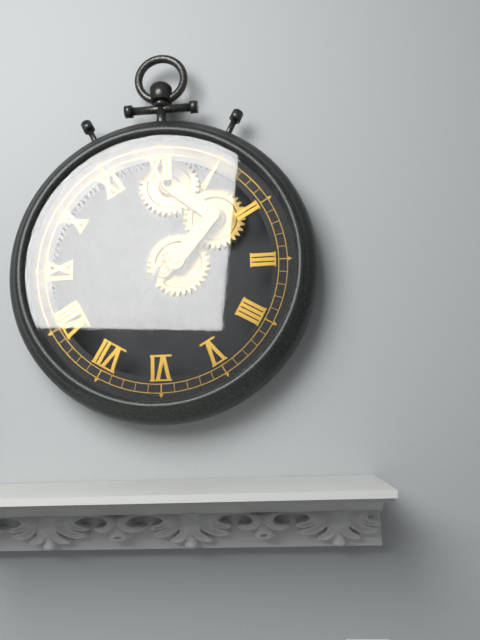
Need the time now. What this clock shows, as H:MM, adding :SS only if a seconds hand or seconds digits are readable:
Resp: 6:35:03
